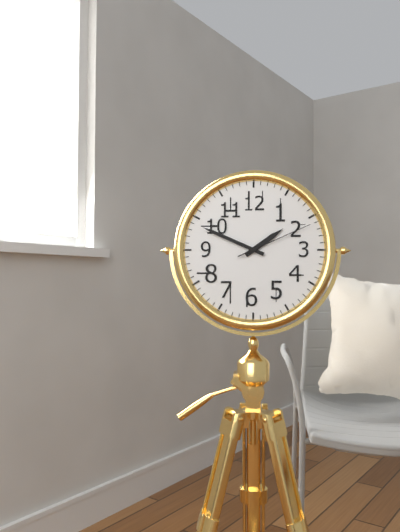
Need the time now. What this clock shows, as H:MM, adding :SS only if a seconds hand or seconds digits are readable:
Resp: 1:49:11
